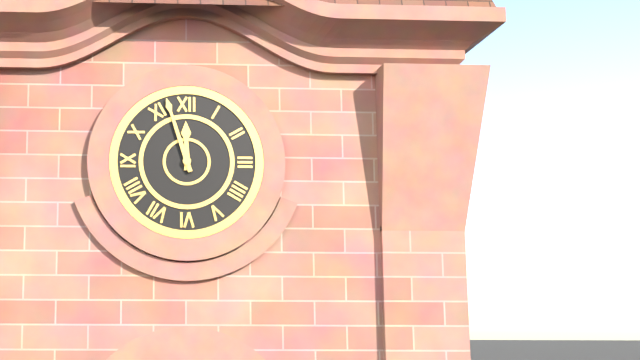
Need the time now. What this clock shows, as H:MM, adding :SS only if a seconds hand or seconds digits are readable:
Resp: 11:57
